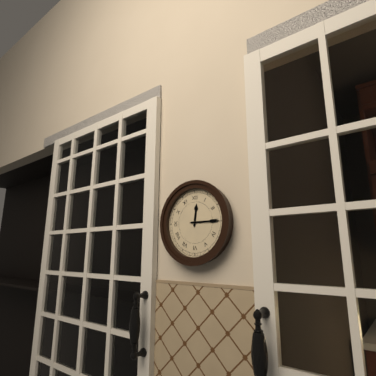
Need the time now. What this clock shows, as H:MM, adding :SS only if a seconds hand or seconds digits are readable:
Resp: 12:15
